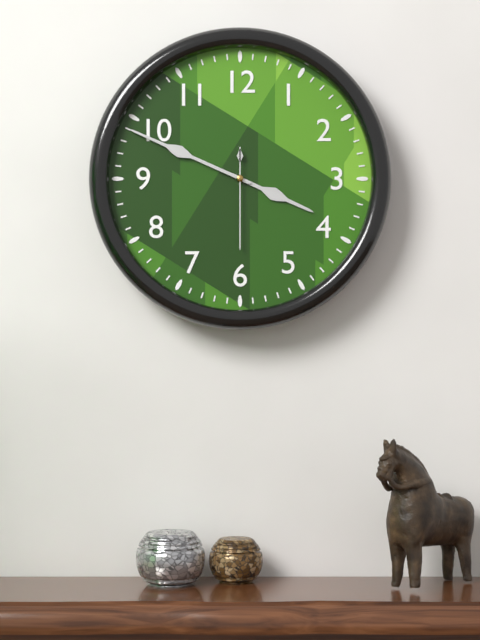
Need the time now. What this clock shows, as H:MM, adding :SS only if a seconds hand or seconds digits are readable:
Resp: 3:49:30
